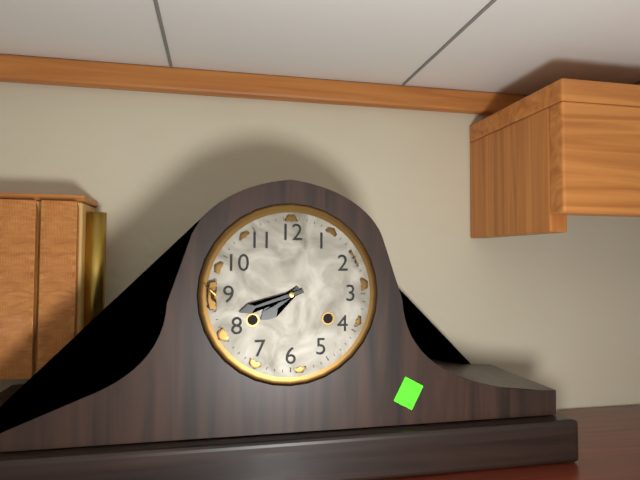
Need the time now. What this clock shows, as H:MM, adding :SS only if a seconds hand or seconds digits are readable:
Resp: 7:42
